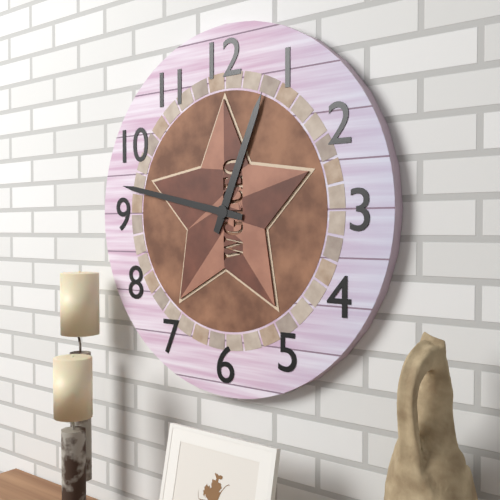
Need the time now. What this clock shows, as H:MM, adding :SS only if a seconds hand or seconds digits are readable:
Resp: 12:47
